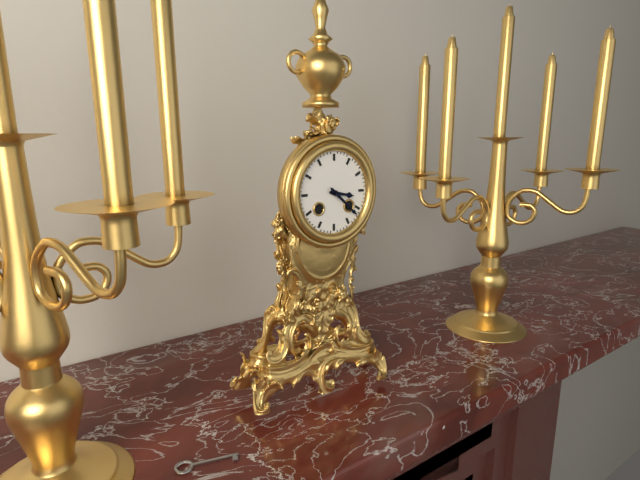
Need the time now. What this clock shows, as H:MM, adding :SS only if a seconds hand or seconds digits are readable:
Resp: 3:22
